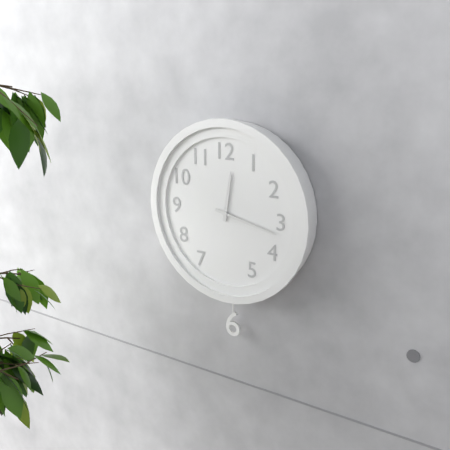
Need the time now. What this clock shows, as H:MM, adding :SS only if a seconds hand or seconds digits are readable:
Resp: 12:17
